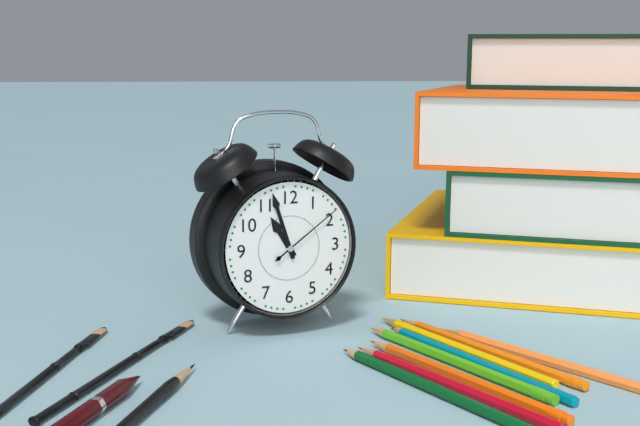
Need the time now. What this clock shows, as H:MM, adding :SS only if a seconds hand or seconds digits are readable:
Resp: 10:57:09
